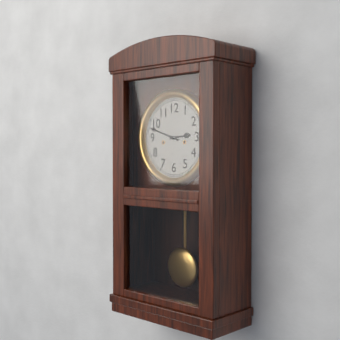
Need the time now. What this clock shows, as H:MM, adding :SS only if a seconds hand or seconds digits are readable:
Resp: 2:48
